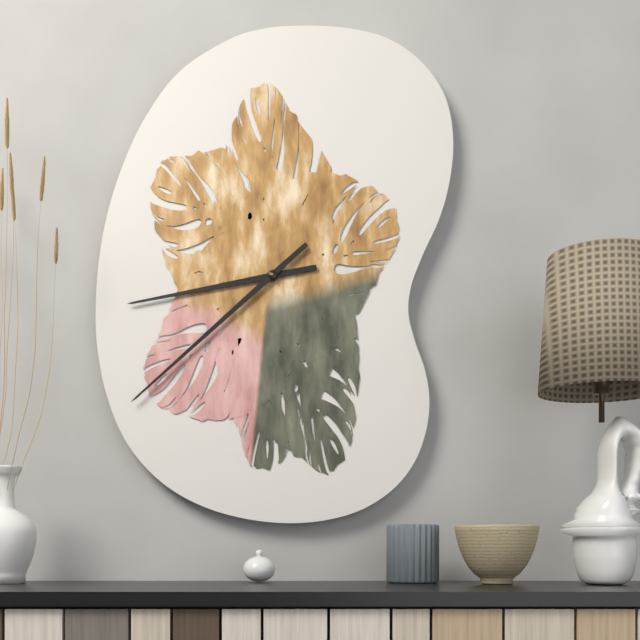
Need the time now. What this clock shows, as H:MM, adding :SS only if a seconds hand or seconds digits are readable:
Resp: 8:38
